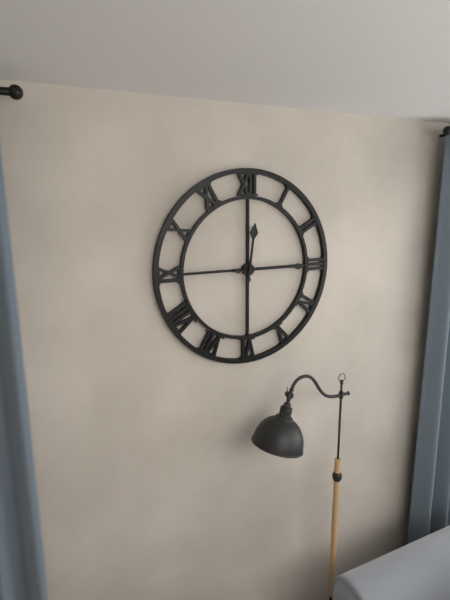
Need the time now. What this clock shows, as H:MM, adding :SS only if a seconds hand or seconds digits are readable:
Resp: 12:15
